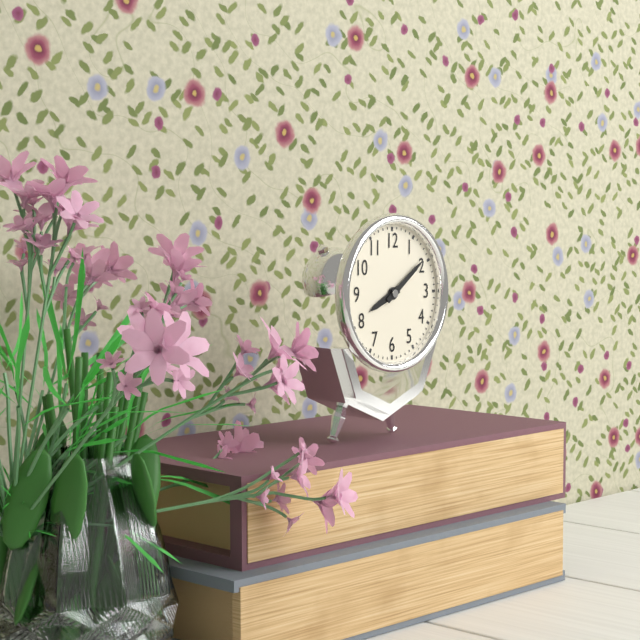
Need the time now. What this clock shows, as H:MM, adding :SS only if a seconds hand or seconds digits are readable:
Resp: 8:09
